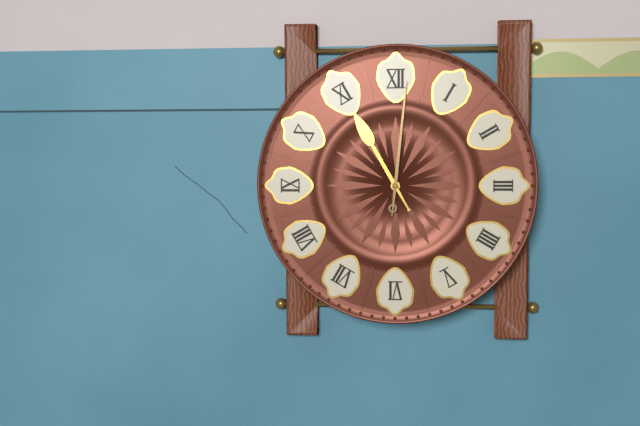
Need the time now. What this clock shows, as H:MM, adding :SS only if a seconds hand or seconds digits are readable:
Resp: 11:01
